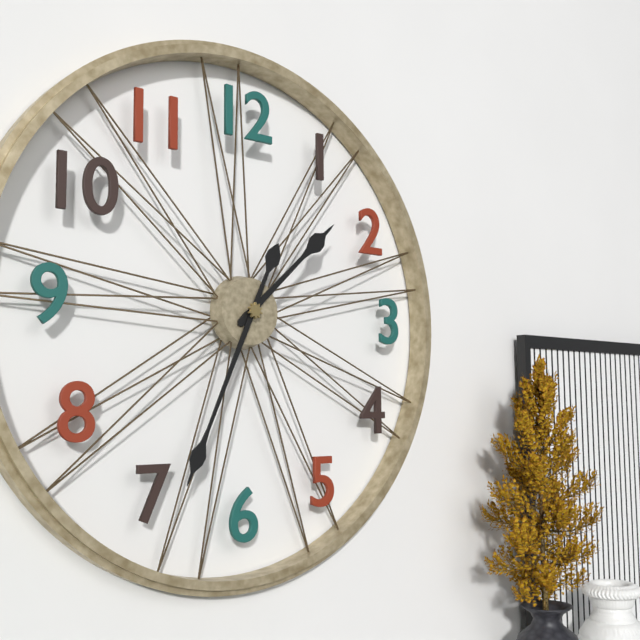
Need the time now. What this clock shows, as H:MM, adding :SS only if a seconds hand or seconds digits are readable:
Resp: 1:34
